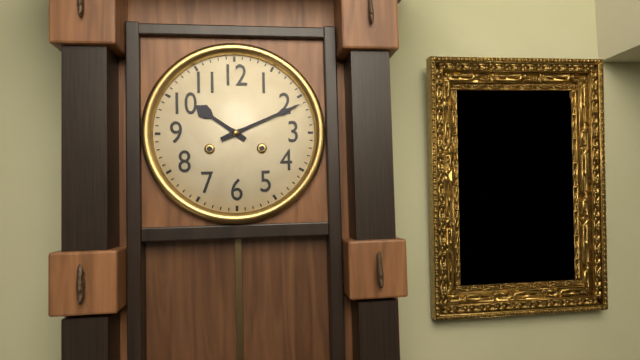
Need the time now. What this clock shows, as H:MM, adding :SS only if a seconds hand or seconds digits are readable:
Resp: 10:11
